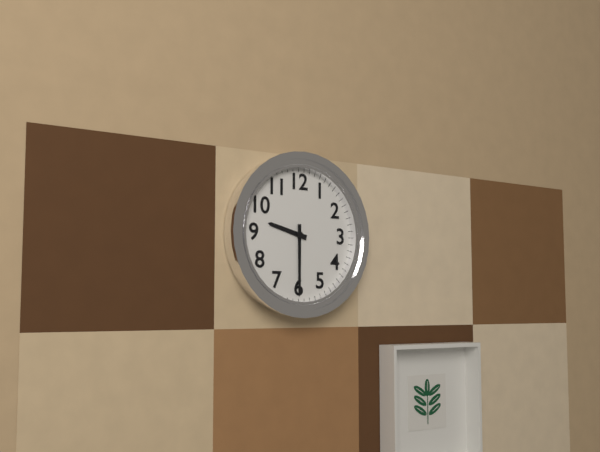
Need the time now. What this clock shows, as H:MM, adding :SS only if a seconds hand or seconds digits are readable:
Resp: 9:30
